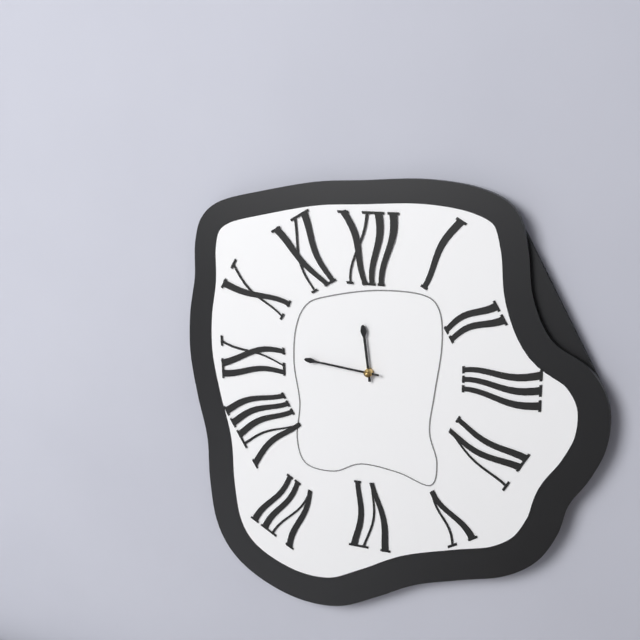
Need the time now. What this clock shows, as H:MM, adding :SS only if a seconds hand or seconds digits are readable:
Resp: 11:46
